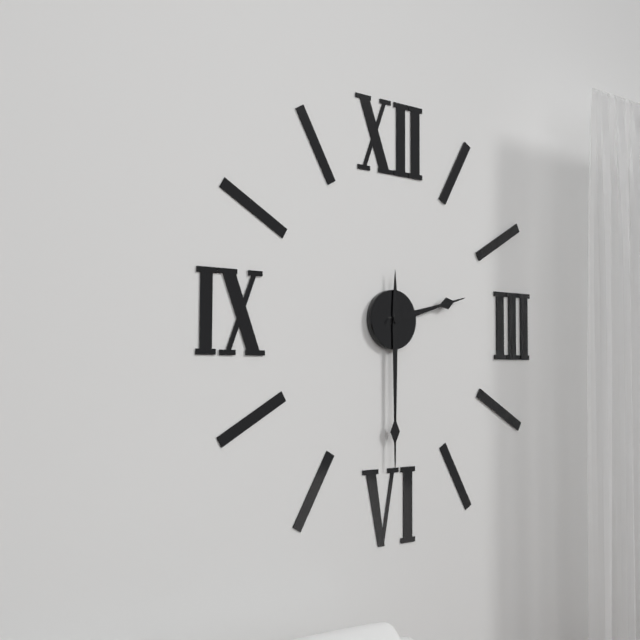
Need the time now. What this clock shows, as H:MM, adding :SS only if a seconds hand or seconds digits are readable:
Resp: 2:30
